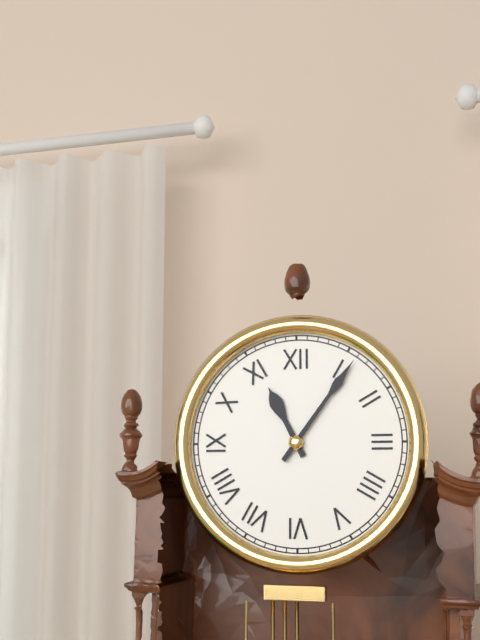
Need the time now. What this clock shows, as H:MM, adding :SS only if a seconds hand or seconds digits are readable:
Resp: 11:06
